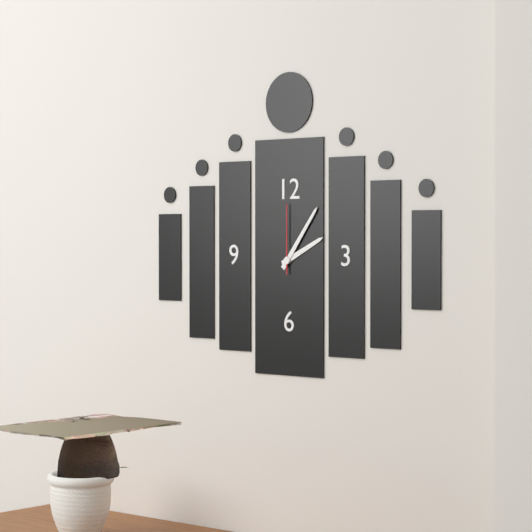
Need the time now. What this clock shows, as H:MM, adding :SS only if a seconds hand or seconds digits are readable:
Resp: 2:06:00
